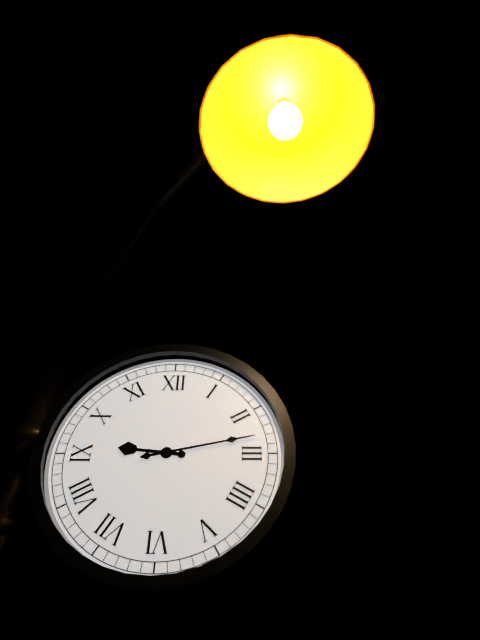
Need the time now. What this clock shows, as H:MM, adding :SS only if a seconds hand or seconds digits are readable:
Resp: 9:13
